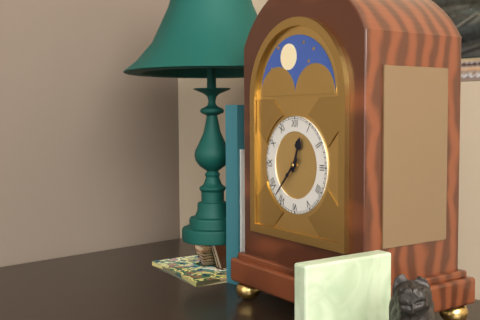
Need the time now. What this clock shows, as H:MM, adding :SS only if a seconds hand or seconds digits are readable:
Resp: 12:37
